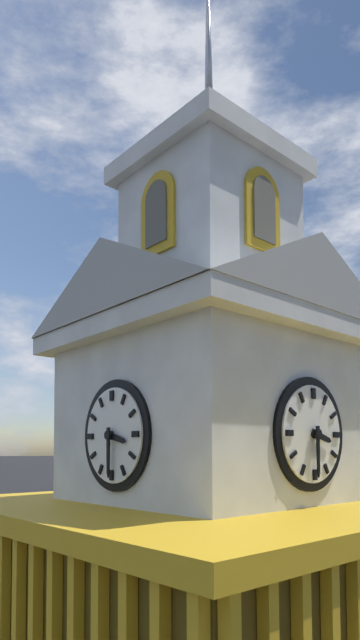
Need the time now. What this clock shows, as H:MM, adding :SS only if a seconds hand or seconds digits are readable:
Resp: 3:30
